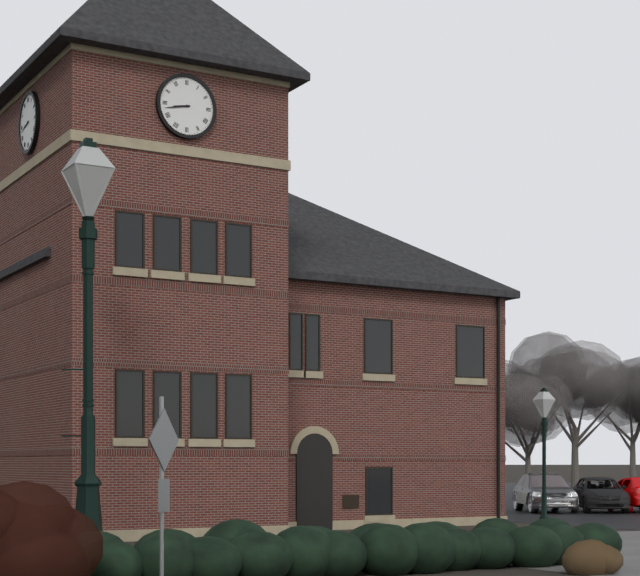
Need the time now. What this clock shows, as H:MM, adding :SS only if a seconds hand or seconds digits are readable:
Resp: 8:43
